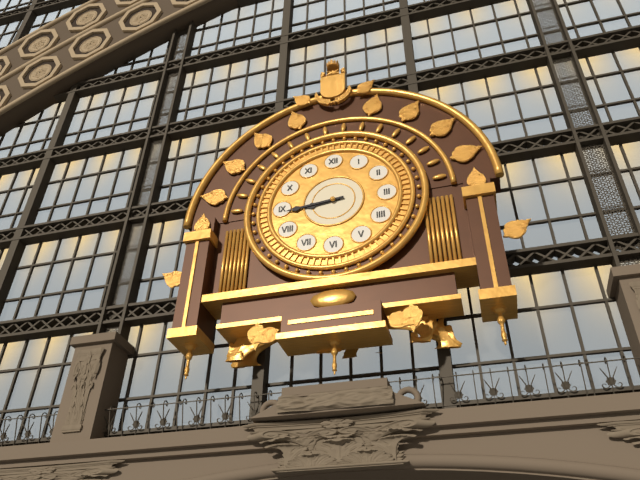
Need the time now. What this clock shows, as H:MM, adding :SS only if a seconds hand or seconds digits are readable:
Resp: 8:44
